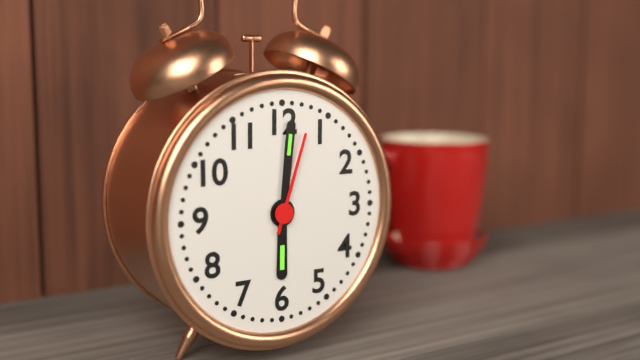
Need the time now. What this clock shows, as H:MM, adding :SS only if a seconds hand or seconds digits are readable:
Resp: 6:01:03
